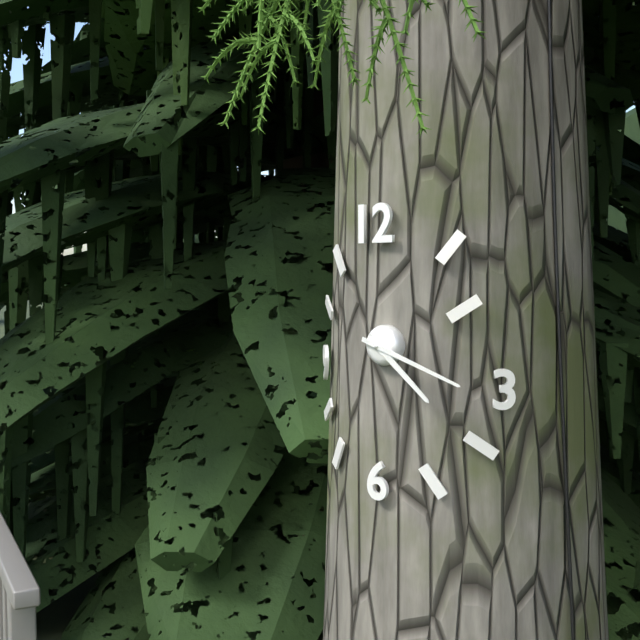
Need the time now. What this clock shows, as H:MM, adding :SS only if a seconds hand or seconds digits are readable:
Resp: 4:18
